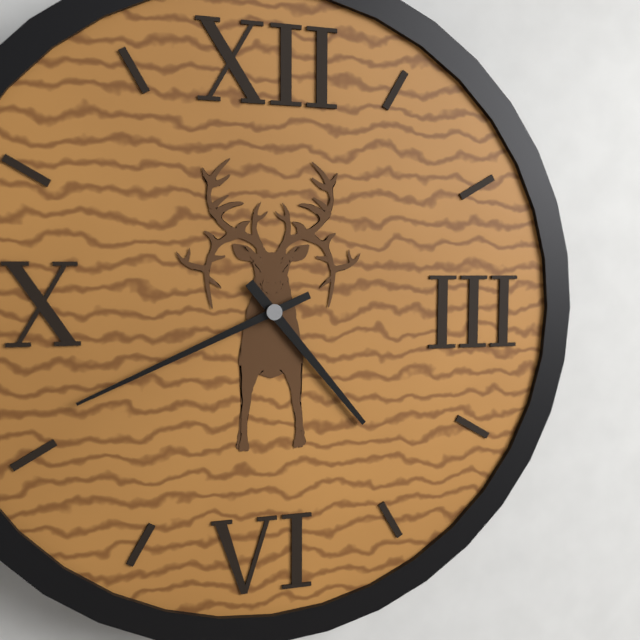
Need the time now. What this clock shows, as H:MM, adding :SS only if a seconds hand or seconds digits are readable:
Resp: 4:41
